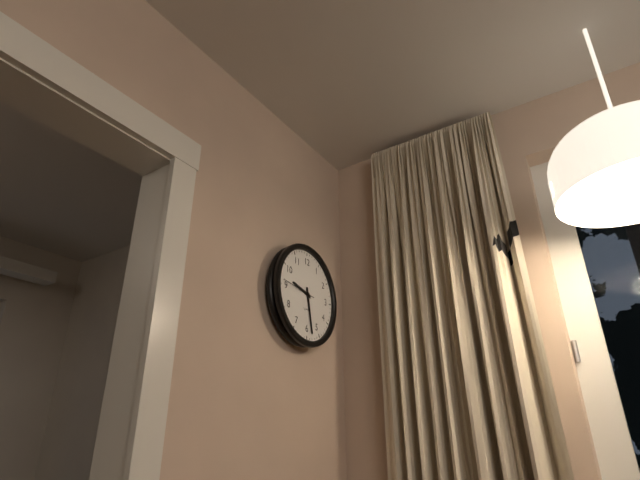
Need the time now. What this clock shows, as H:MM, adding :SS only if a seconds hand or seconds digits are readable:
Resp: 9:28
